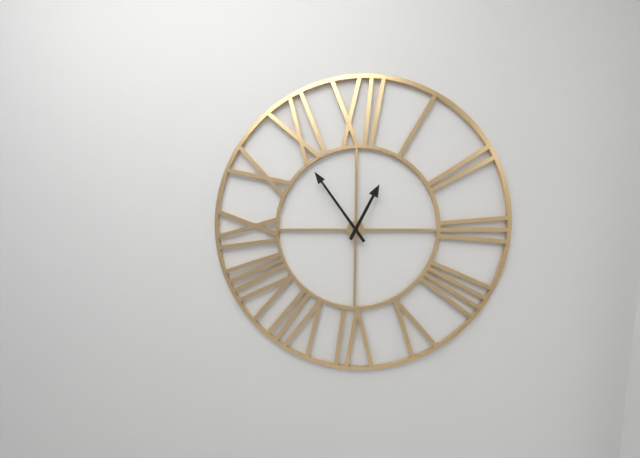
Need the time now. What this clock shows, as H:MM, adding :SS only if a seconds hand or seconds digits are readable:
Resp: 12:54
